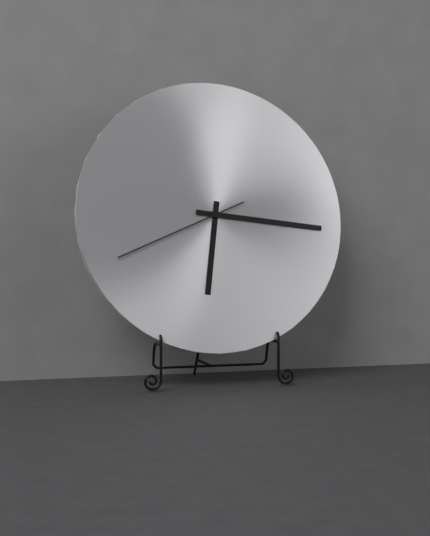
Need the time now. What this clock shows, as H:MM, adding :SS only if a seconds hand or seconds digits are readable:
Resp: 6:16:41
